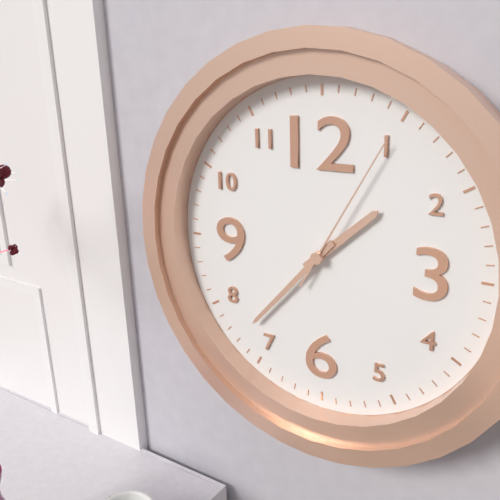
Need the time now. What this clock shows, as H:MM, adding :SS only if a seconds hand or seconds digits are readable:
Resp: 1:37:05
